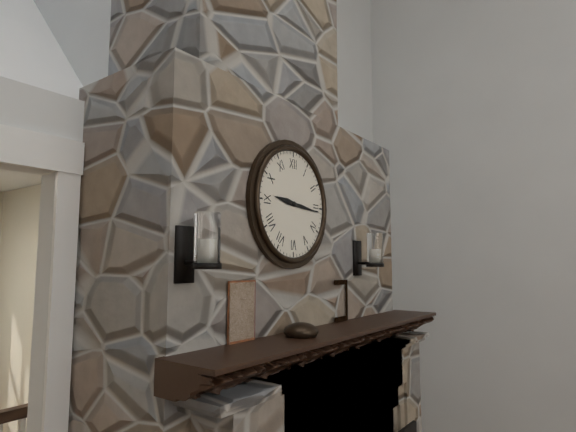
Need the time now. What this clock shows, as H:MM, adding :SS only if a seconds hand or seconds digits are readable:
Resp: 9:16
